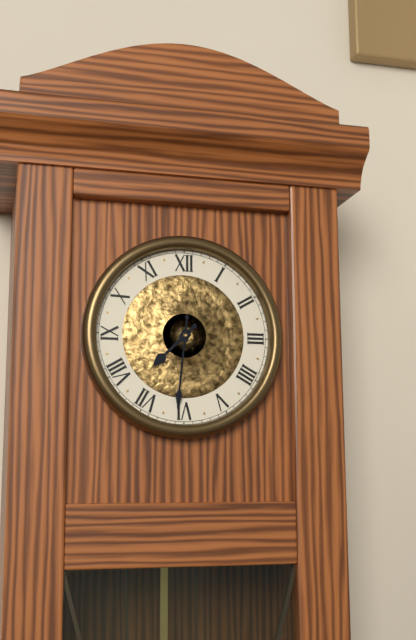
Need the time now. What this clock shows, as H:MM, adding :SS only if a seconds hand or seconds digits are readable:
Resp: 7:31
